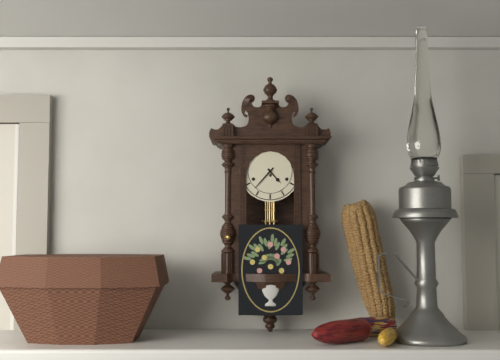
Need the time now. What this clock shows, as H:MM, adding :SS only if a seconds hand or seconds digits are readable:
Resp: 4:37
